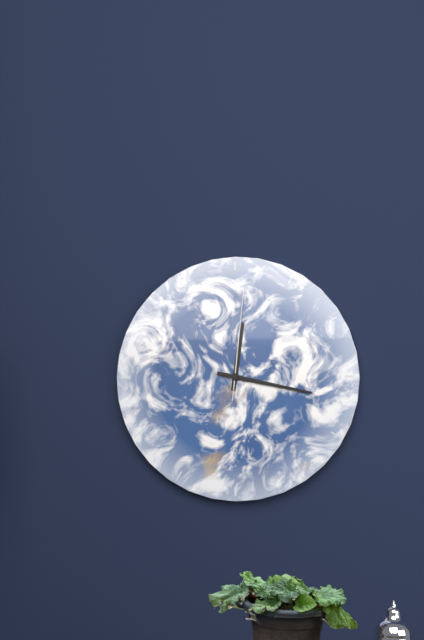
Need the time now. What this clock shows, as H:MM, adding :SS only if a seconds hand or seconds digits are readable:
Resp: 12:17:01
